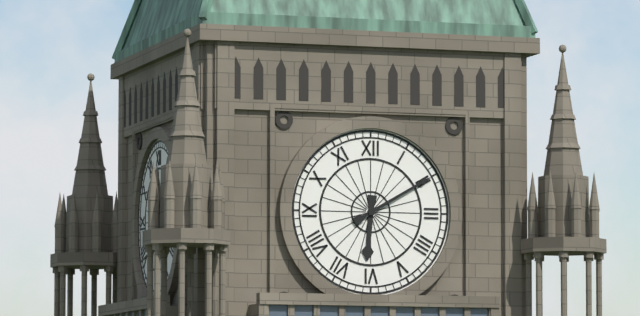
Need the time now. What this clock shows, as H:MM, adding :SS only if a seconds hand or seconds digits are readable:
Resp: 6:10
